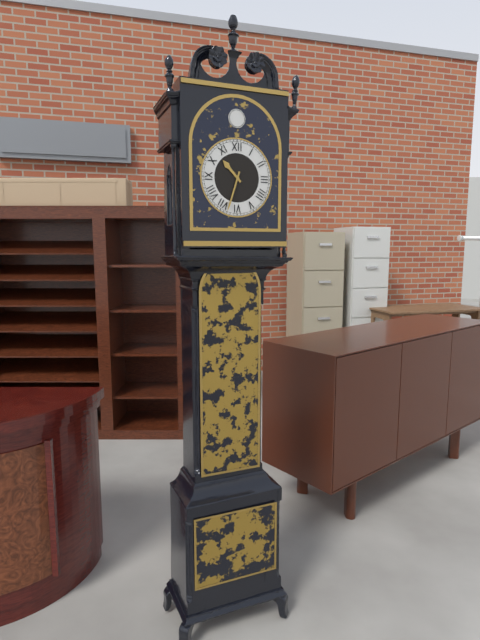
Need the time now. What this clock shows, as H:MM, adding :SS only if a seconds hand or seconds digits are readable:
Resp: 10:33
